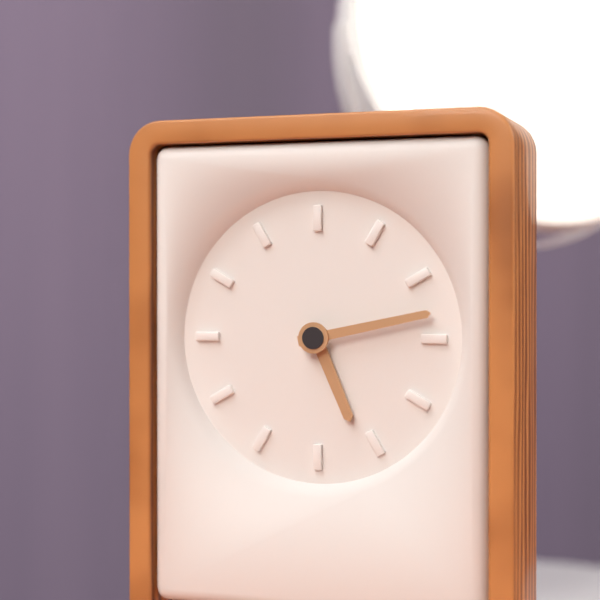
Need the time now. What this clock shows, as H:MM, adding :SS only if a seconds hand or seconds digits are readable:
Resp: 5:13
